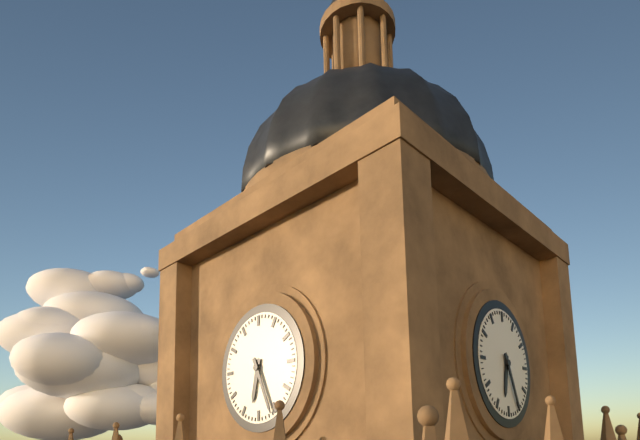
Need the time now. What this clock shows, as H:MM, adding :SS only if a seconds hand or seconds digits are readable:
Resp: 6:26
